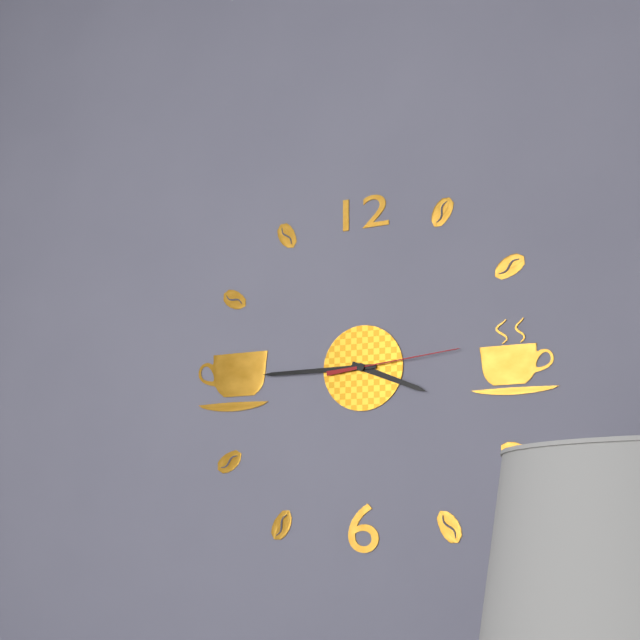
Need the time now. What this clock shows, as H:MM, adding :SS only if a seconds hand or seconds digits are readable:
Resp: 3:45:14
